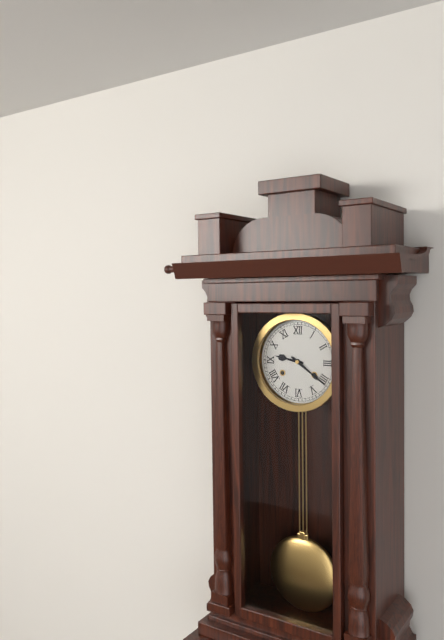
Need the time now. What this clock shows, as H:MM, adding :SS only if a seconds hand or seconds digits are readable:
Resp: 9:21
